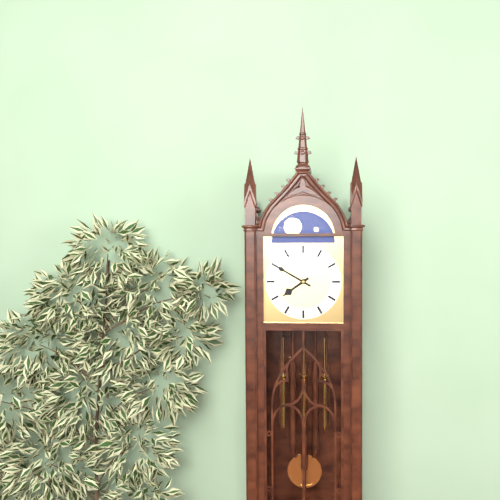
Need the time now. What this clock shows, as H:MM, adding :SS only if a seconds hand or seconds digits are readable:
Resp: 7:50
